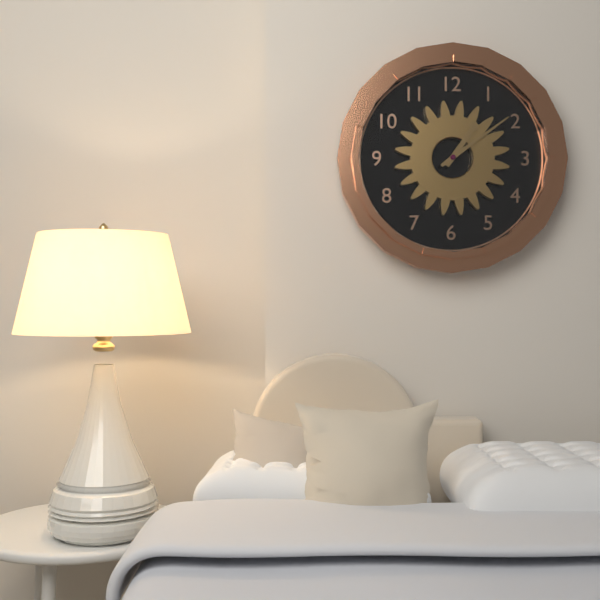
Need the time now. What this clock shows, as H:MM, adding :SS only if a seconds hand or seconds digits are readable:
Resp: 1:09
